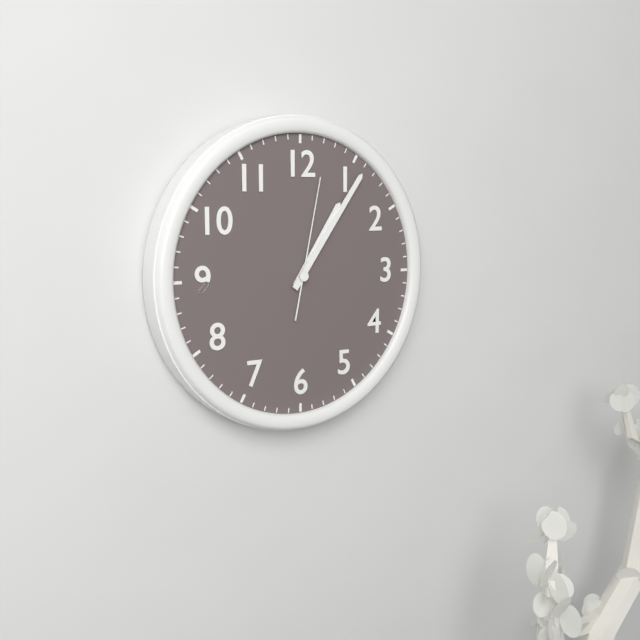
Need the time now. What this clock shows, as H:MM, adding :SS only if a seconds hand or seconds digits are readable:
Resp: 1:06:02
